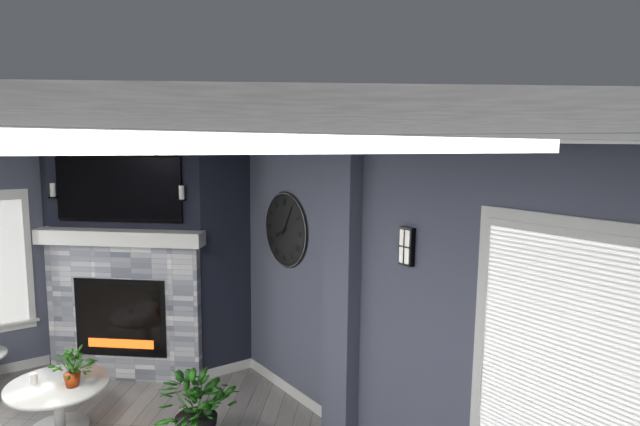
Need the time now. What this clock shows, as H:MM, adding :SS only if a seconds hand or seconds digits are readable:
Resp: 8:05
